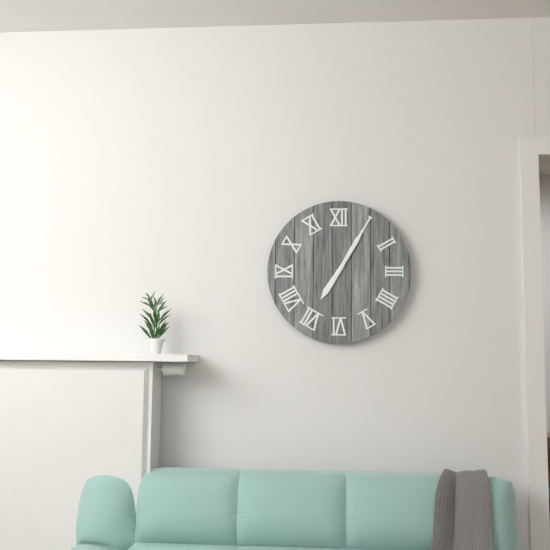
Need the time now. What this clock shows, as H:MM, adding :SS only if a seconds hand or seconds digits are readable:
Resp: 7:05
